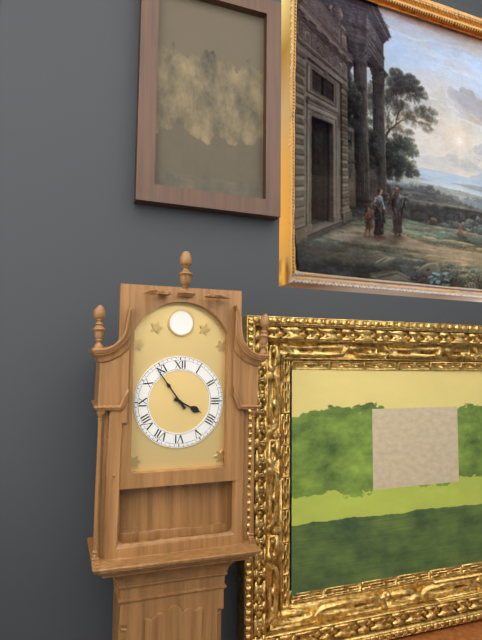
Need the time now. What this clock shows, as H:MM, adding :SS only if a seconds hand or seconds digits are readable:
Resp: 3:54
